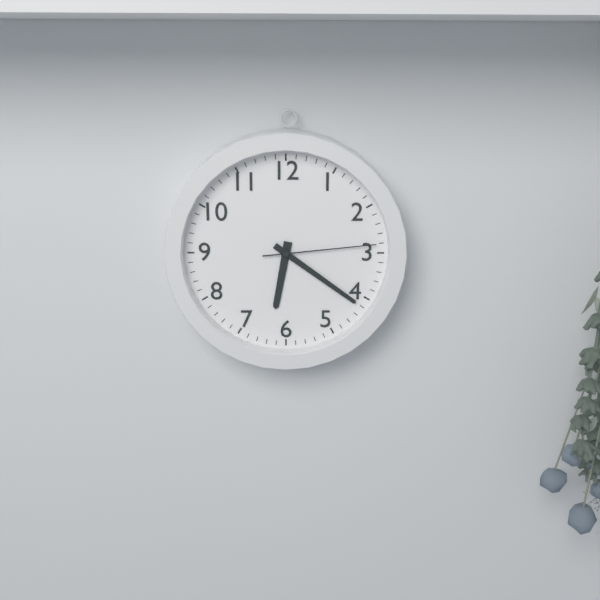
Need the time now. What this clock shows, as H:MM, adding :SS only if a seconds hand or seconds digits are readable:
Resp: 6:21:14
